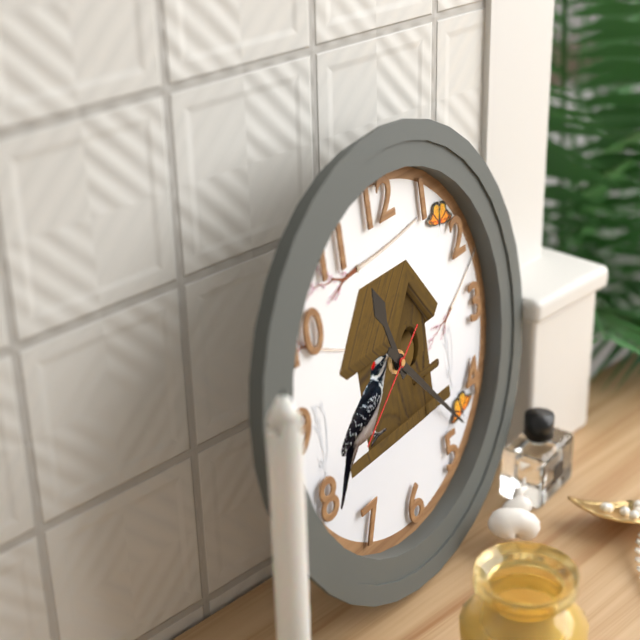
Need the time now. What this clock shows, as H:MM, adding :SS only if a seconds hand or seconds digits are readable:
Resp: 11:23:39
